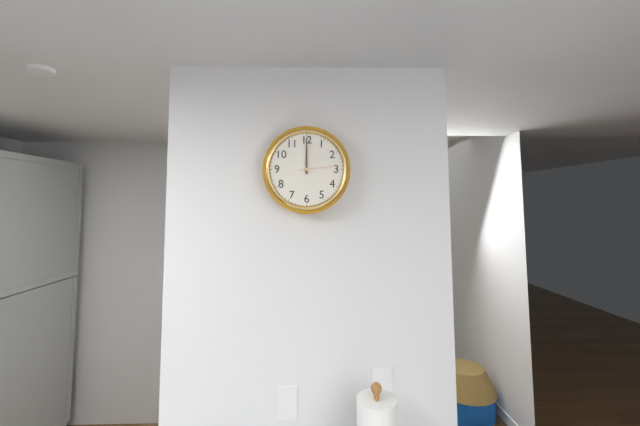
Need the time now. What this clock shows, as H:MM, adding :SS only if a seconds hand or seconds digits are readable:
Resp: 12:00
